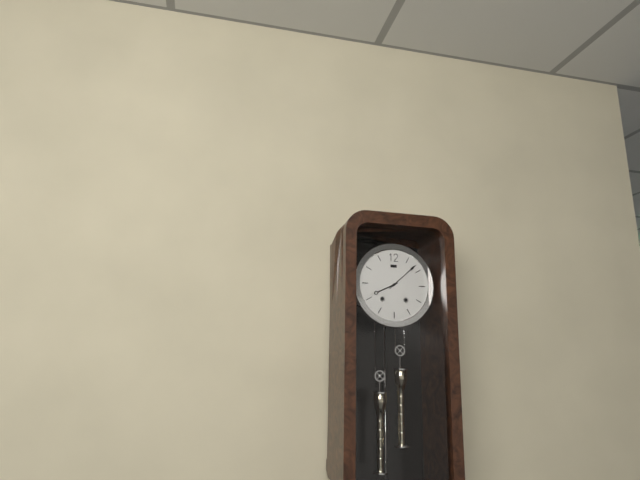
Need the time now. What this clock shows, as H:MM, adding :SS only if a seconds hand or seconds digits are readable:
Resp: 8:08
